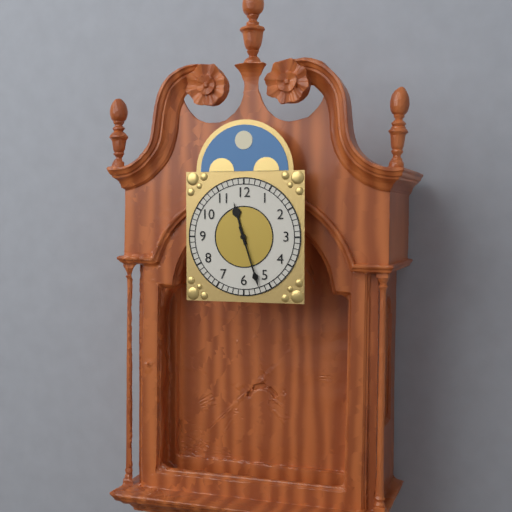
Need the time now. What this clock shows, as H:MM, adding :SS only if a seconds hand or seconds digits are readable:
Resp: 11:27
